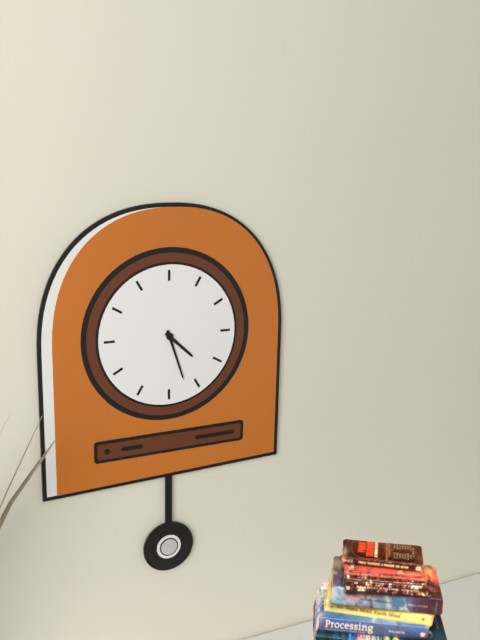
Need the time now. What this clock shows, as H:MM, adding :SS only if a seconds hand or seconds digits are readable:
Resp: 4:27
